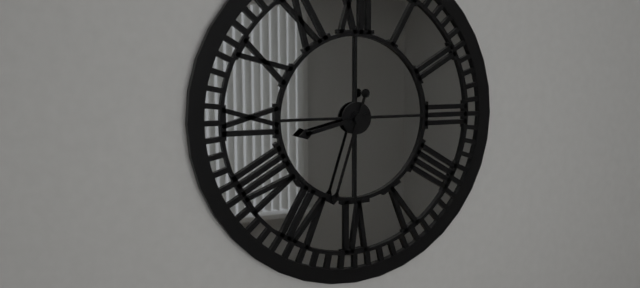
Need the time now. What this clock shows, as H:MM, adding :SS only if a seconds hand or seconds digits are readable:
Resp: 8:33
